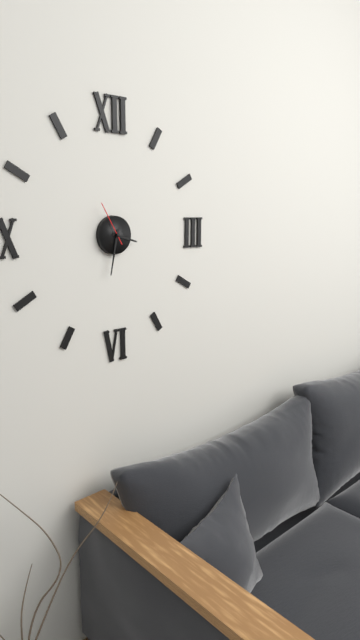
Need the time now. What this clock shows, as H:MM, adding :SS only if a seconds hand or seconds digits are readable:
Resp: 3:32
